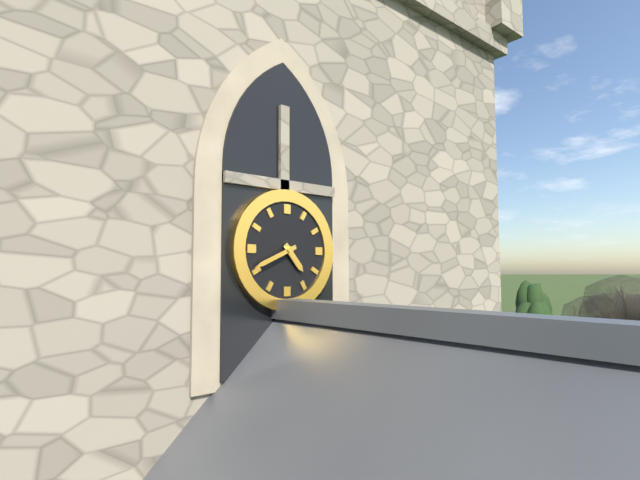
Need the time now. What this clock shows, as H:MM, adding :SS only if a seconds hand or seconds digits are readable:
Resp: 4:41
